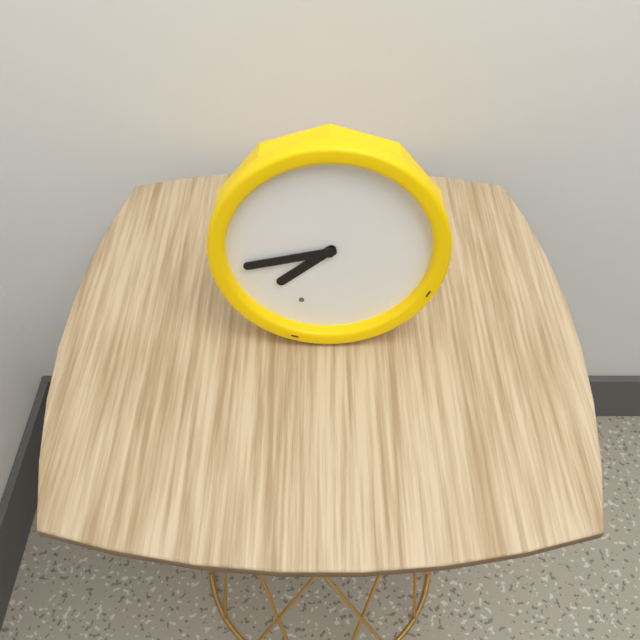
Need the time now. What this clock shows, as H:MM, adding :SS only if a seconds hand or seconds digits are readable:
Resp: 7:43
